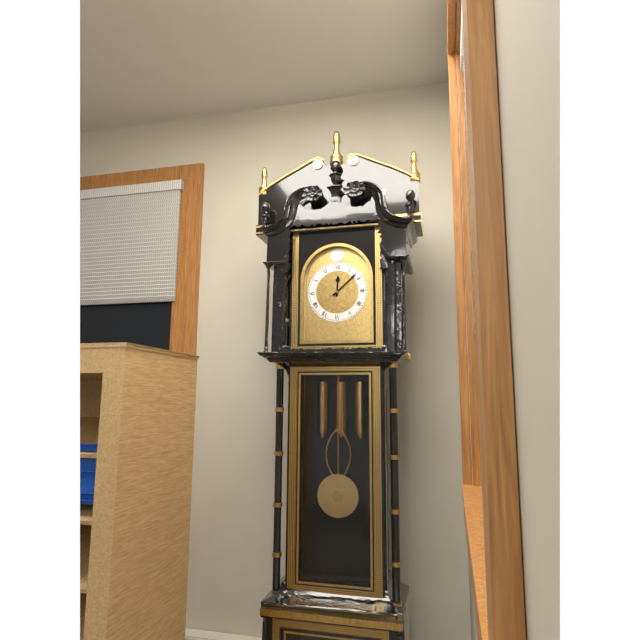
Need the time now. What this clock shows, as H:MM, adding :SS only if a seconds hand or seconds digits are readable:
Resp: 12:08
